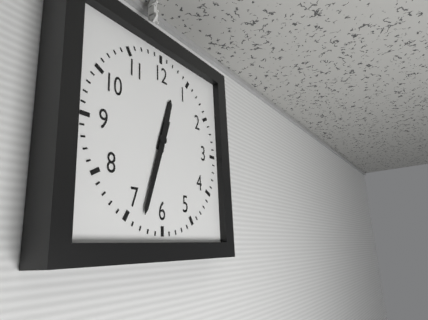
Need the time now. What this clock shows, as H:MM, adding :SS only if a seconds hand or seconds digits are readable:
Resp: 12:33
